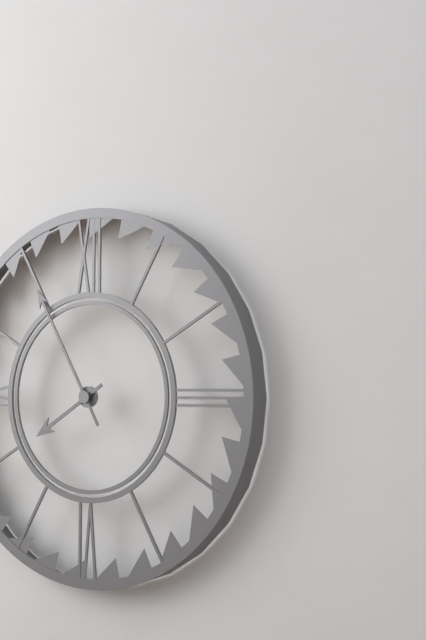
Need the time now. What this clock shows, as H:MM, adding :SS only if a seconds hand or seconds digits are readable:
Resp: 7:55
